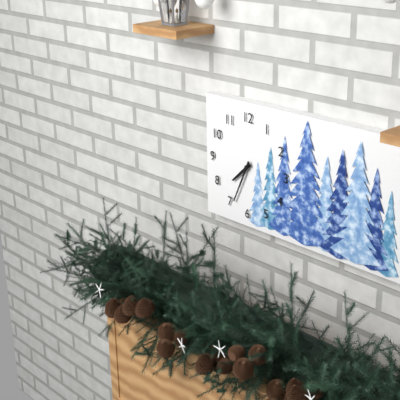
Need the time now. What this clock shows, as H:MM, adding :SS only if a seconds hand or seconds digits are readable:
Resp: 7:34
